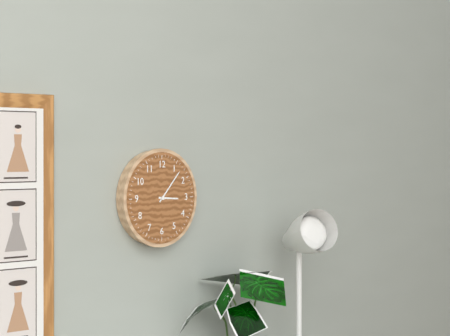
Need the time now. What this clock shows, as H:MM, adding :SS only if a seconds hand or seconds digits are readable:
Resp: 3:07
